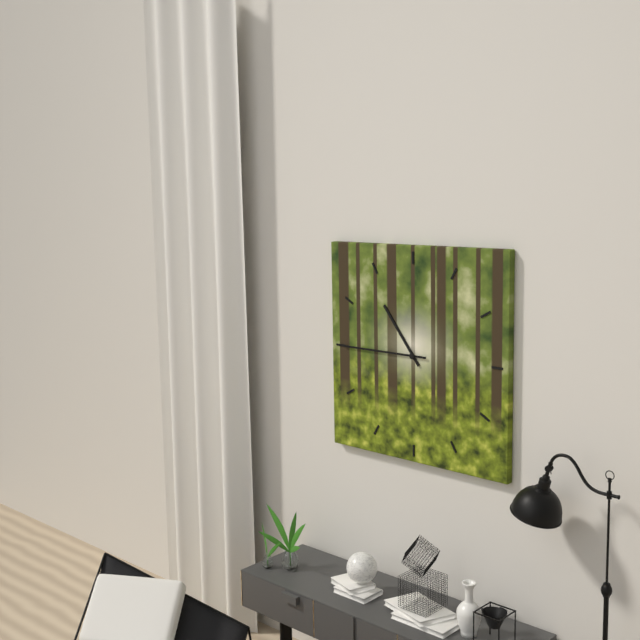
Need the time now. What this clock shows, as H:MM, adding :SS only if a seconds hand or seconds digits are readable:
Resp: 10:45
